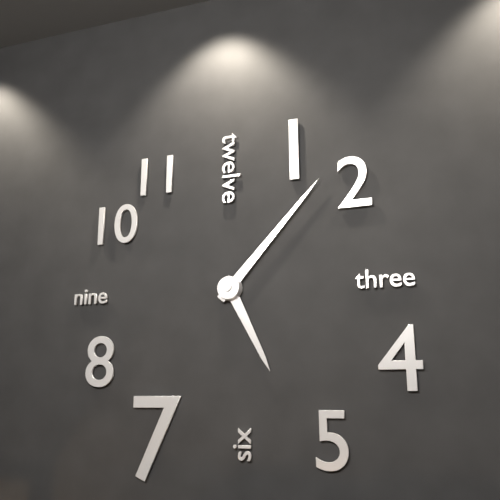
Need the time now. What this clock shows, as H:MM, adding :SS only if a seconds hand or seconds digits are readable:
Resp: 5:07
